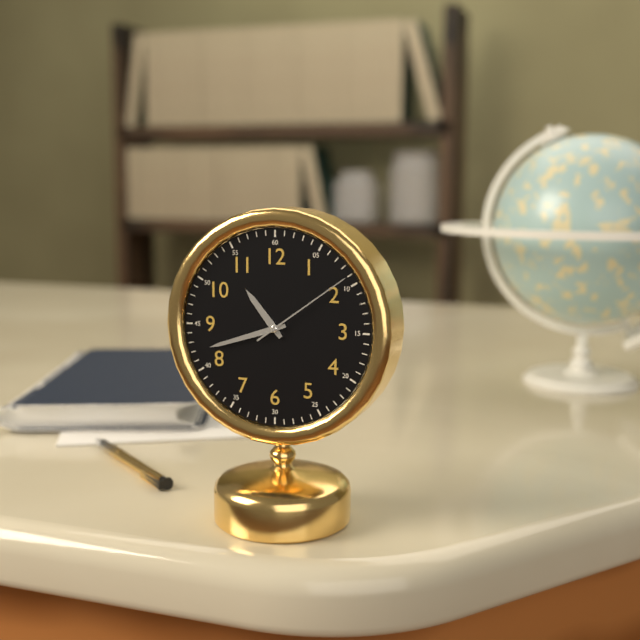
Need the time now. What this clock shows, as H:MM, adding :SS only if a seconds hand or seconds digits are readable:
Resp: 10:42:09
